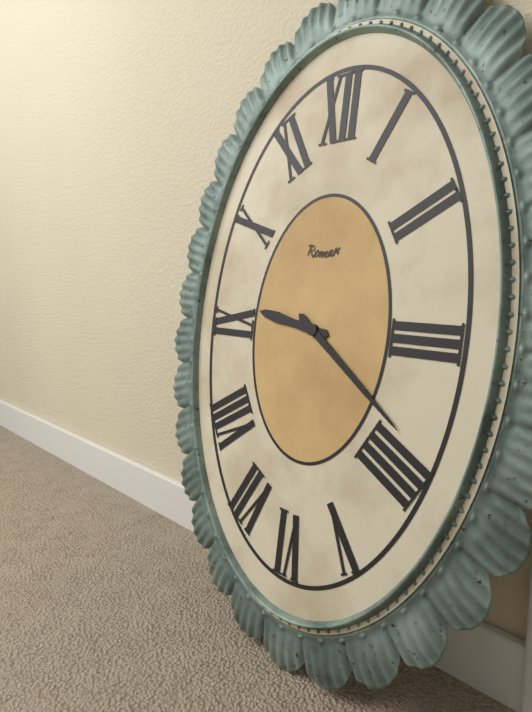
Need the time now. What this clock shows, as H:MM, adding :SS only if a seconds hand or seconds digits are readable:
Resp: 9:21
